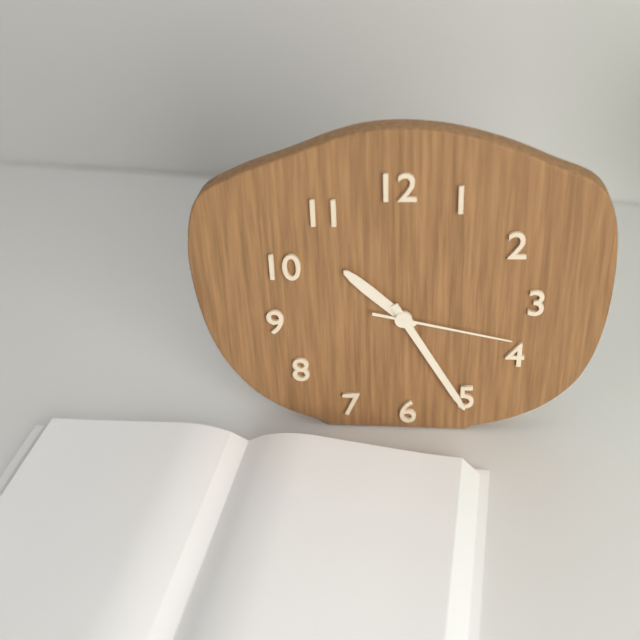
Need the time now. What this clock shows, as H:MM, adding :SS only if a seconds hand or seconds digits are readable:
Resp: 10:25:17
